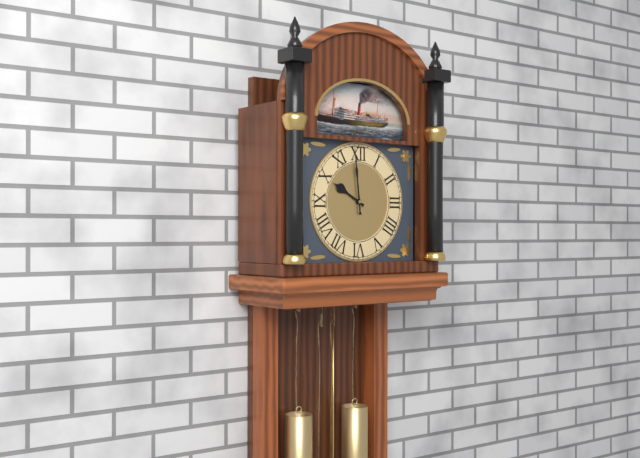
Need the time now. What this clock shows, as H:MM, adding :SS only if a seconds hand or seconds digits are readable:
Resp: 9:59
